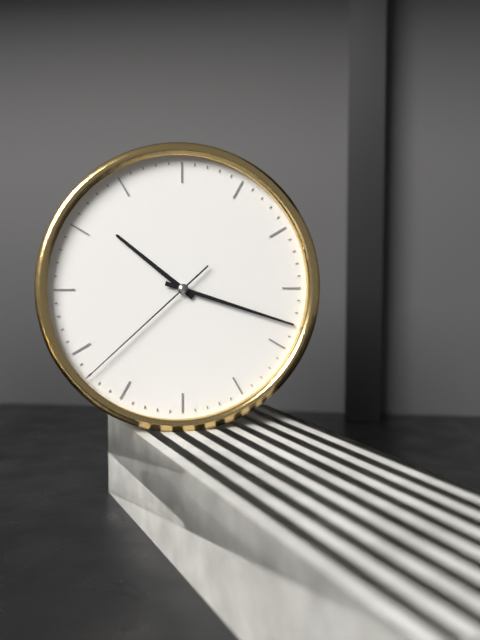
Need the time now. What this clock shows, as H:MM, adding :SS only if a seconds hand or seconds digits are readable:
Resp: 10:18:38
